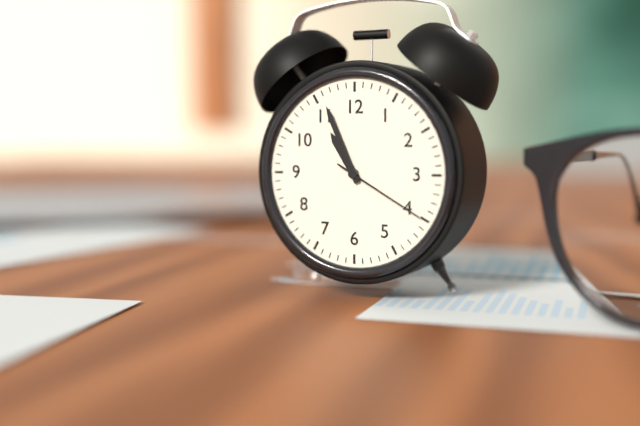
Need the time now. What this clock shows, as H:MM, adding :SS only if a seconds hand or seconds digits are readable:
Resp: 10:56:20
